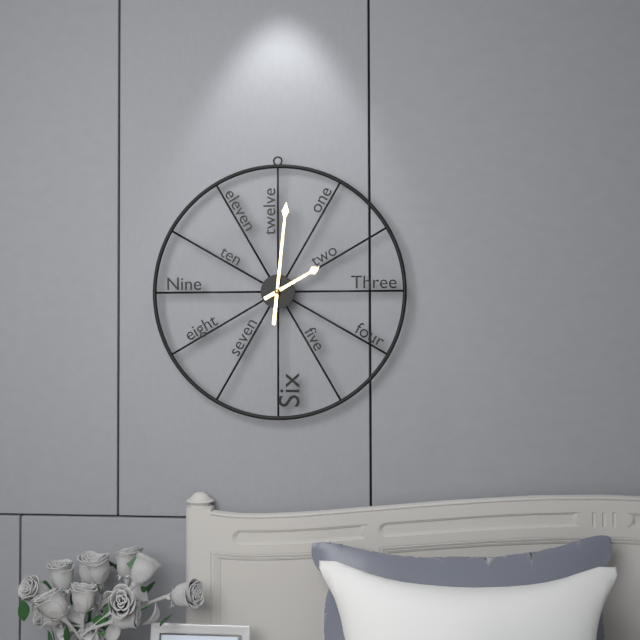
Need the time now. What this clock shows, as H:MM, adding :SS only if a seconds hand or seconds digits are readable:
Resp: 2:01
